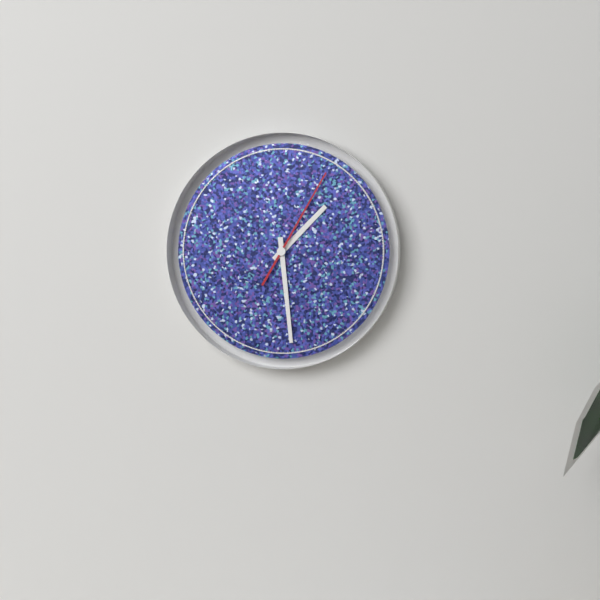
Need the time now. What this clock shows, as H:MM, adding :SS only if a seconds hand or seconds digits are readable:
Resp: 1:29:05
